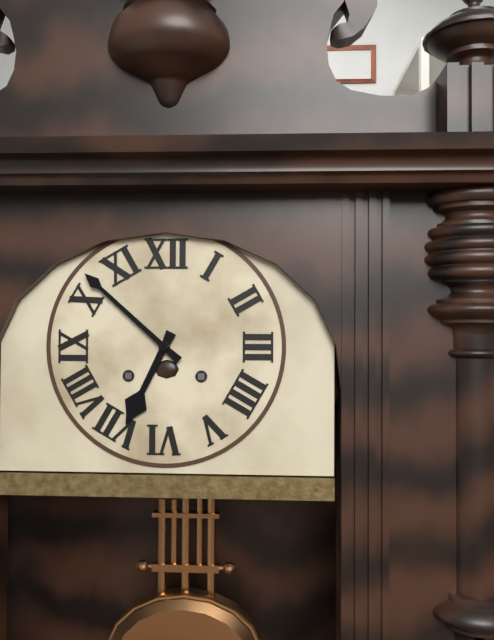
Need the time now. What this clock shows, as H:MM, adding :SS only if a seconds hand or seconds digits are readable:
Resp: 6:52
